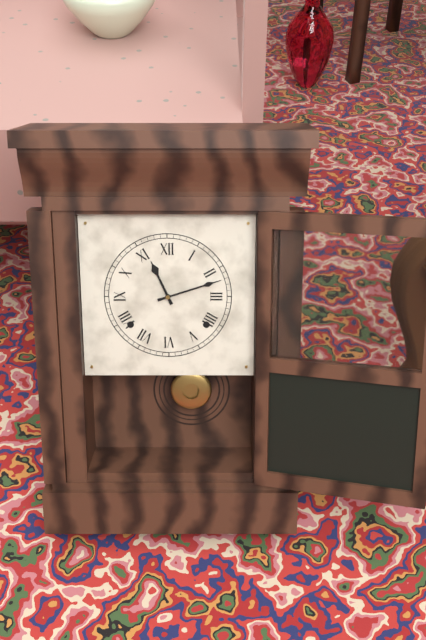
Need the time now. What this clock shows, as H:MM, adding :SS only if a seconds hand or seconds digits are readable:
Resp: 11:12
